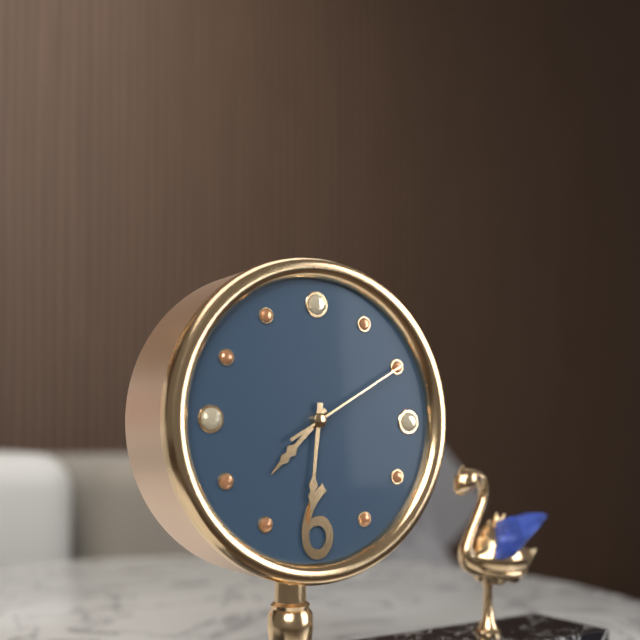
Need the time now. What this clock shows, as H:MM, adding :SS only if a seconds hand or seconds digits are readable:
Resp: 7:31:10
